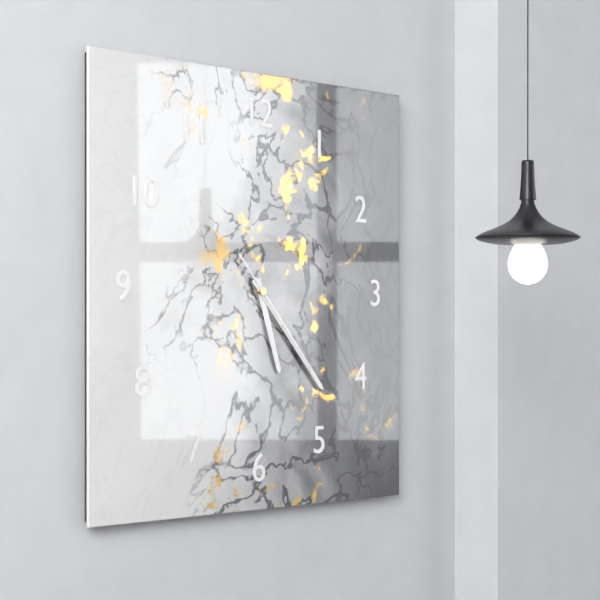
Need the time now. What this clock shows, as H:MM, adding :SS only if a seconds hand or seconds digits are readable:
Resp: 5:23:23
